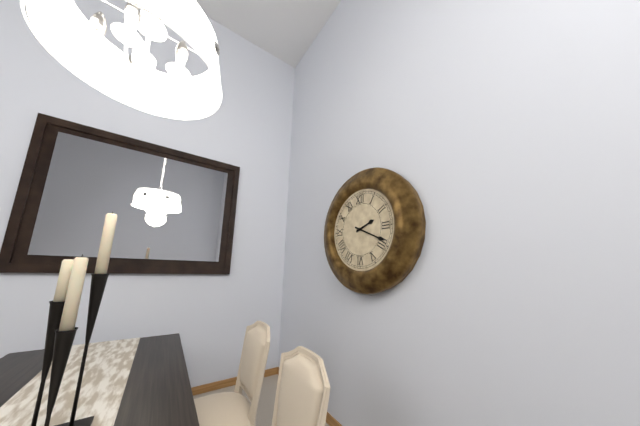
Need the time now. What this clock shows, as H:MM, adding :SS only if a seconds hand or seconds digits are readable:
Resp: 2:19
